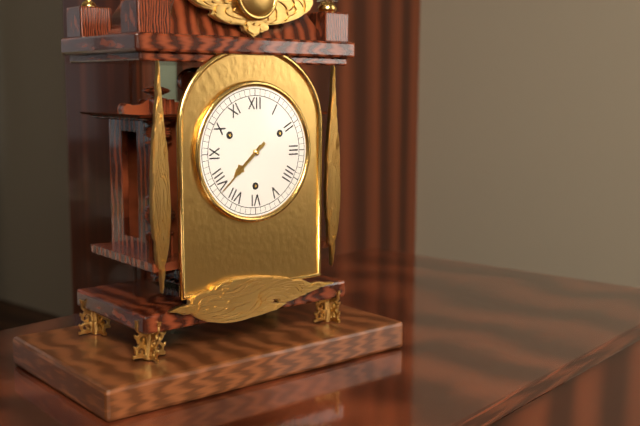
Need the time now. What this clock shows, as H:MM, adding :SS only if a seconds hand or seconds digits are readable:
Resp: 7:38
